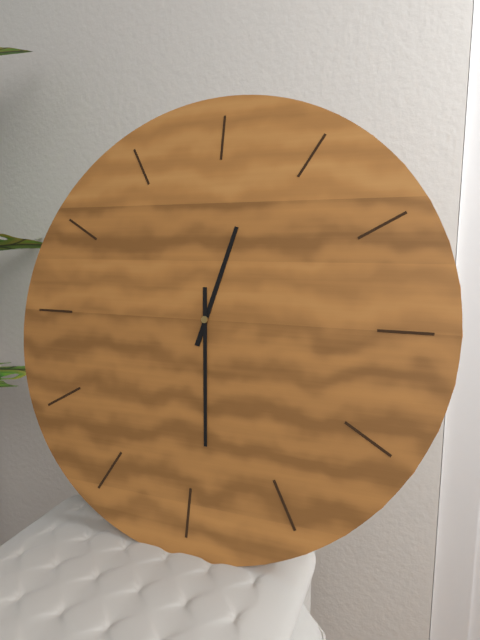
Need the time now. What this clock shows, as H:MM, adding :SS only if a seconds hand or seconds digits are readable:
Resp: 12:29
